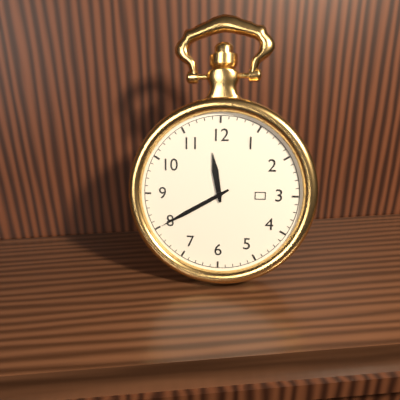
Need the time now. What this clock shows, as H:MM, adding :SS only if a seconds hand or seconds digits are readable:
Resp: 11:40
